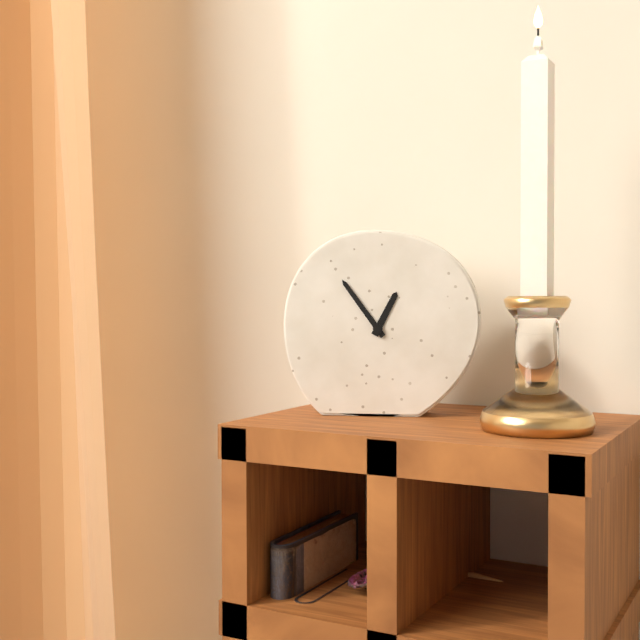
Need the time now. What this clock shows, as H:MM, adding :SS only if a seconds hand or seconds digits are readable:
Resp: 12:54
